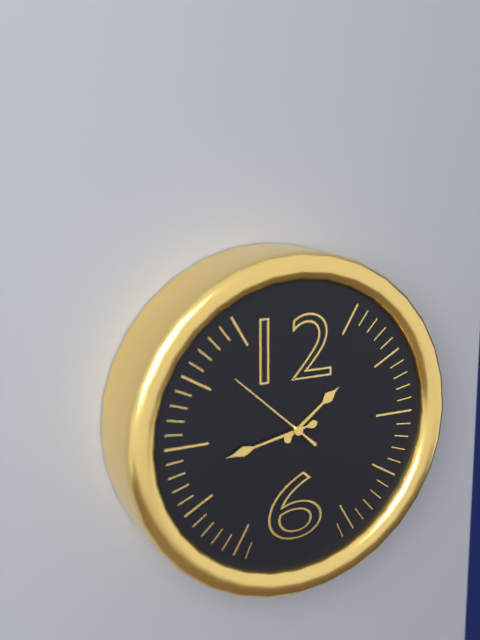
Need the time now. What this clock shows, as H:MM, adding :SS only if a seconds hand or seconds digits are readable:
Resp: 1:43:52
